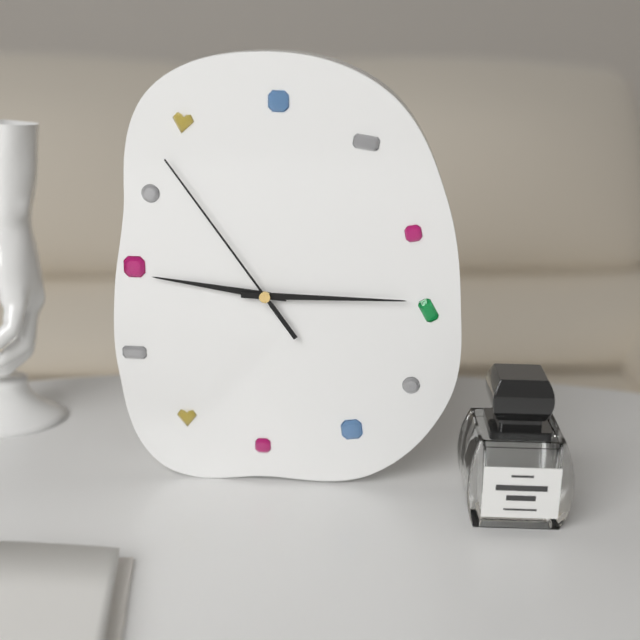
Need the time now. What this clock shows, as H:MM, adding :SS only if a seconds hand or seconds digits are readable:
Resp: 9:15:54
